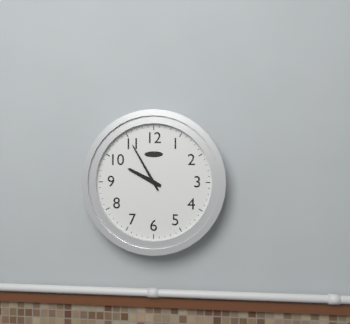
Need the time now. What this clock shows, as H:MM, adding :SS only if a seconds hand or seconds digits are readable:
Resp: 9:55
